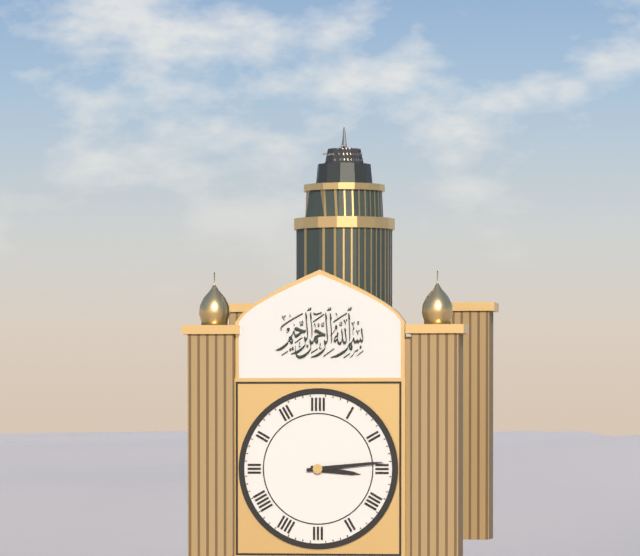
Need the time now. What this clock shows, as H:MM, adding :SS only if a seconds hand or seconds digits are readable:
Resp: 3:14
